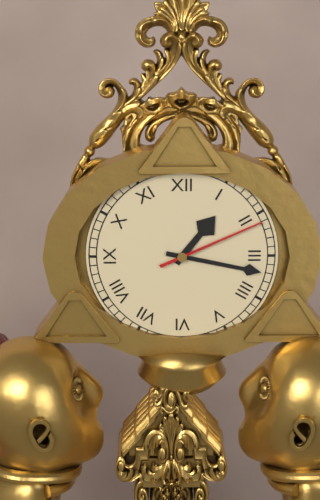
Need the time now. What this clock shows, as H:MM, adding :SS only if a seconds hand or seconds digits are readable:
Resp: 1:17:11
